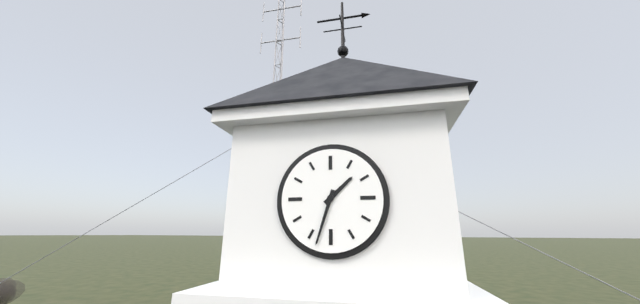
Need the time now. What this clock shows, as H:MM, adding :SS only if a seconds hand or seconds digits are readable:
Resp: 1:33
